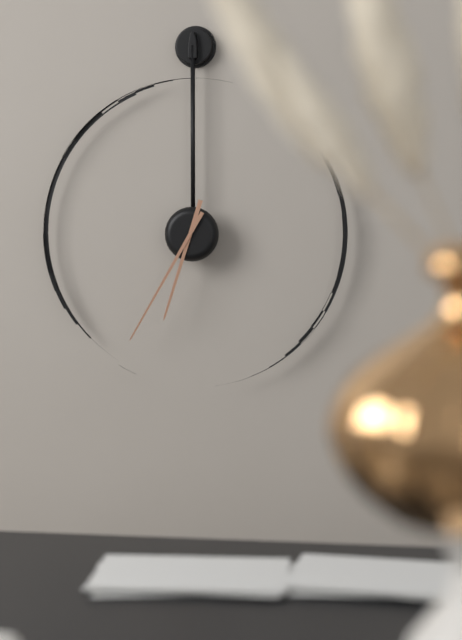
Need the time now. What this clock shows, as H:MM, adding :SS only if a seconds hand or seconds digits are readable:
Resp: 6:35
